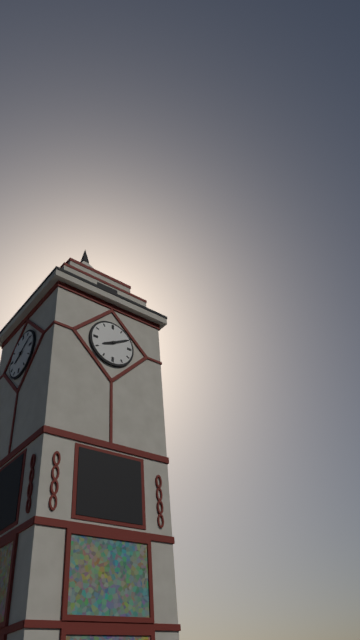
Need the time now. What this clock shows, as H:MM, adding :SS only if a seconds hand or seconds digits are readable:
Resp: 8:10
